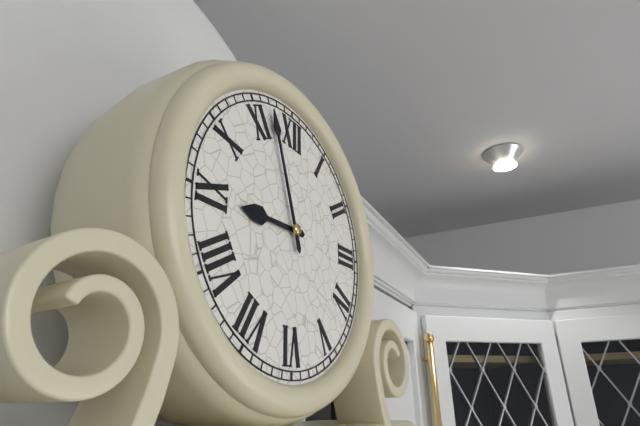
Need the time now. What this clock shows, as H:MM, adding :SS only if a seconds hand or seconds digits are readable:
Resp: 8:57
